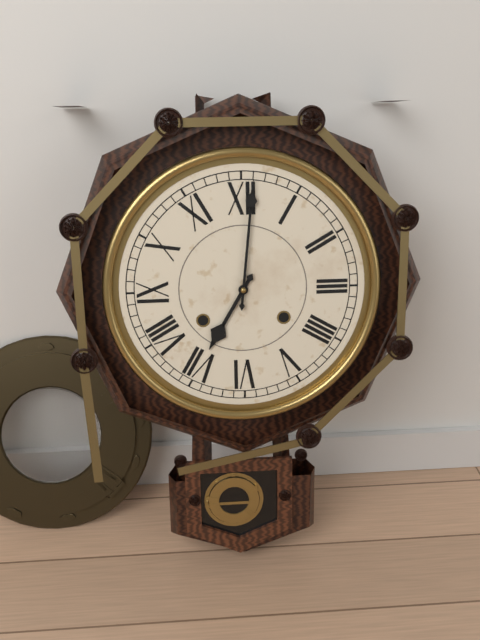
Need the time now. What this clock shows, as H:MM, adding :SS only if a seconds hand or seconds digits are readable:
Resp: 7:01
